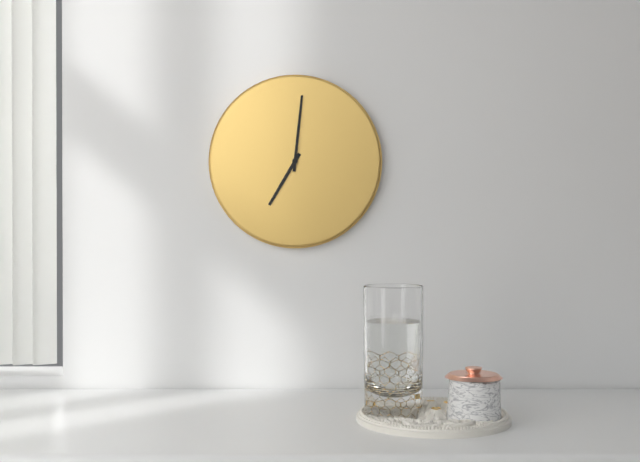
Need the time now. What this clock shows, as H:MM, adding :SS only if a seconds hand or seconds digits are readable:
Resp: 7:01
